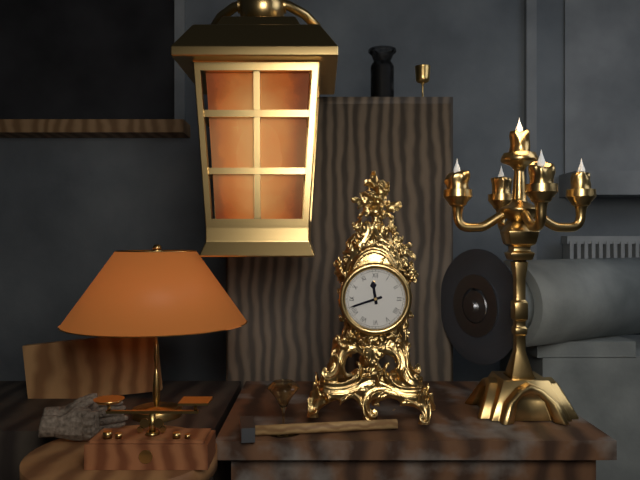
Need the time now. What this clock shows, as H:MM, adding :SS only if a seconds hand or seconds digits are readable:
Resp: 11:42
